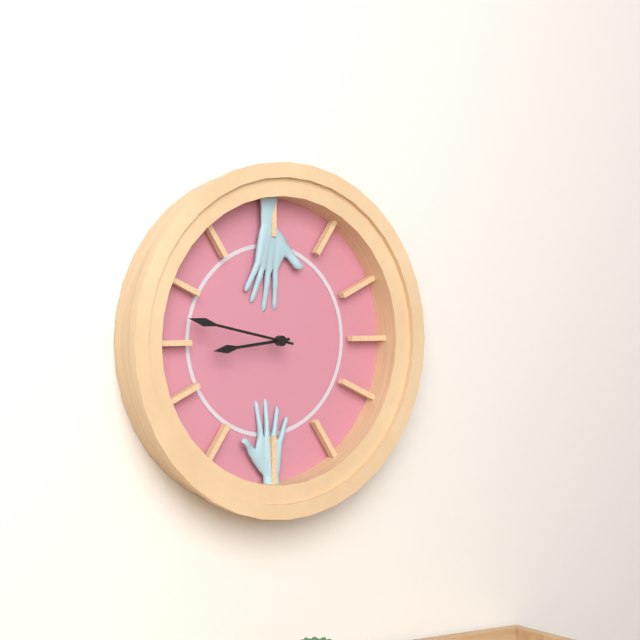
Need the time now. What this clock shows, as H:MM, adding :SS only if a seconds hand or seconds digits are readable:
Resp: 8:47
